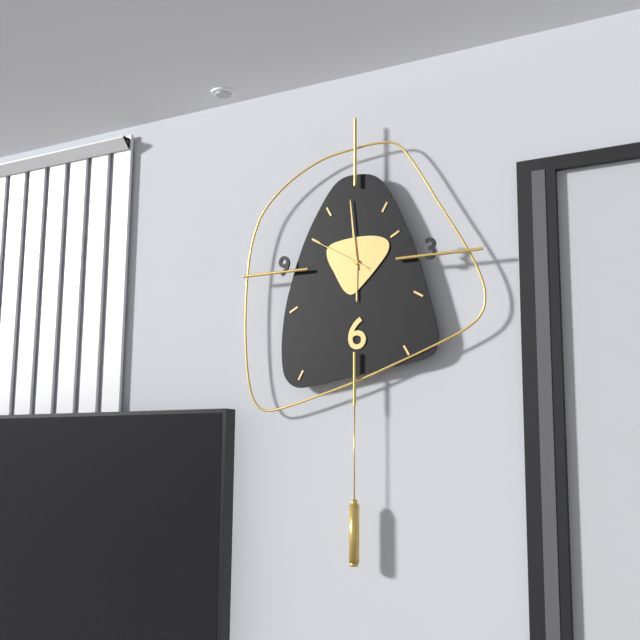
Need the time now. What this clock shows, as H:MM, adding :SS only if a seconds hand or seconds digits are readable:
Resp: 5:59:50
